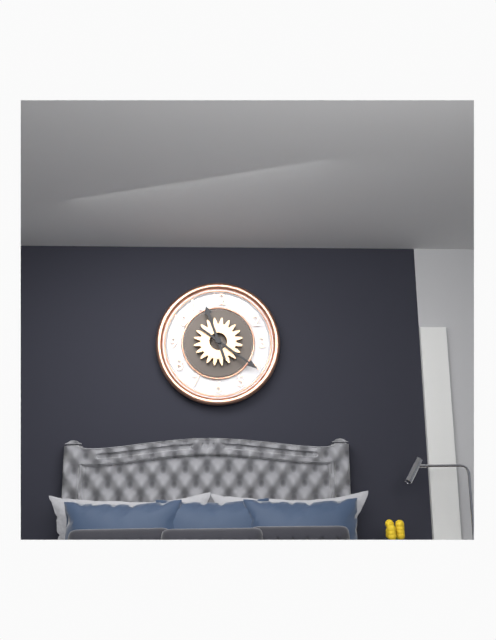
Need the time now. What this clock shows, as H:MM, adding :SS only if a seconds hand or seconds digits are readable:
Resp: 11:21
